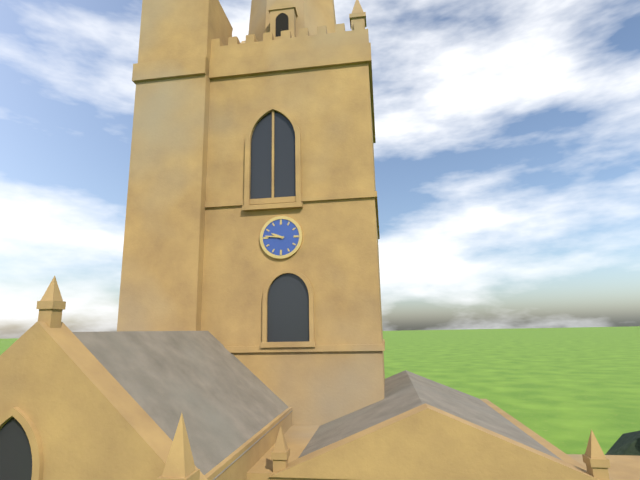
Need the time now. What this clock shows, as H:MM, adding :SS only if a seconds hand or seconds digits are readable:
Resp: 9:46
